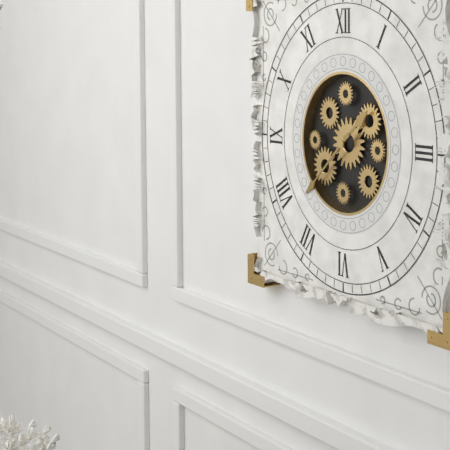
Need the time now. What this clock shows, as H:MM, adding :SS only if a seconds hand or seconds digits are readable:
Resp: 1:38
